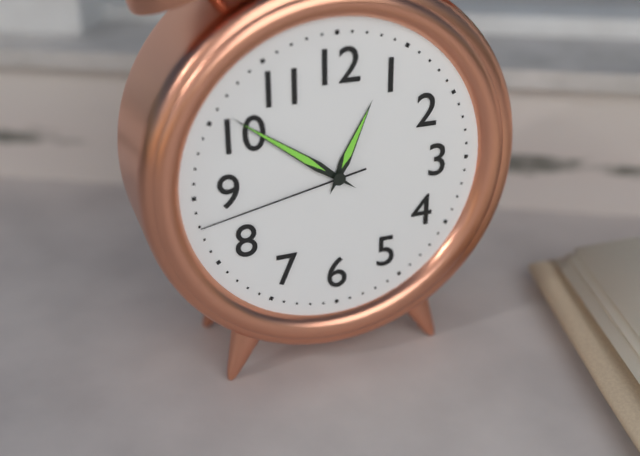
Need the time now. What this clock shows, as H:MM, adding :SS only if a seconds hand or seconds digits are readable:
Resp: 12:51:43
